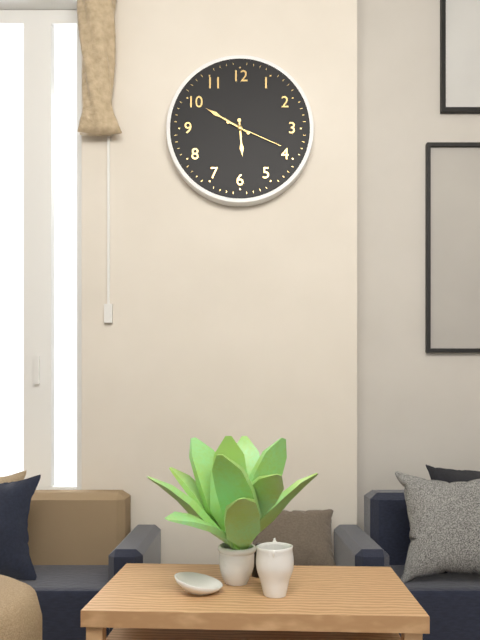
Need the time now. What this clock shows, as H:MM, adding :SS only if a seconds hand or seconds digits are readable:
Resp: 5:50:19
